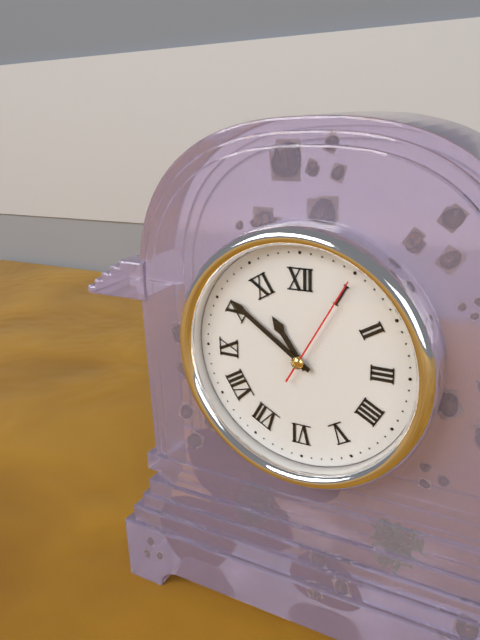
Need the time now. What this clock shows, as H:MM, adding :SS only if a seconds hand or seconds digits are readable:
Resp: 10:51:05
